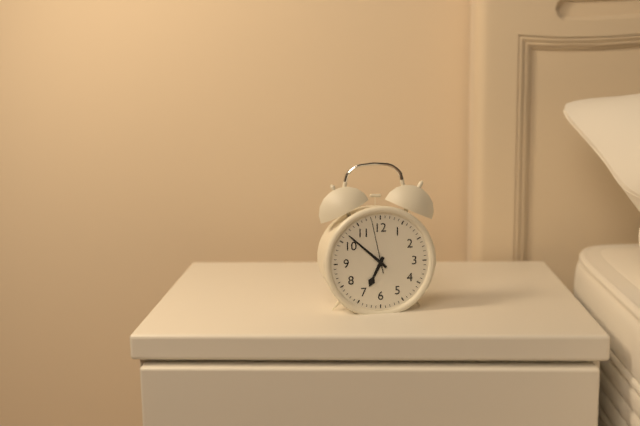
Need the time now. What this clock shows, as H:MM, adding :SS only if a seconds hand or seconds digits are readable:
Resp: 6:52:58
